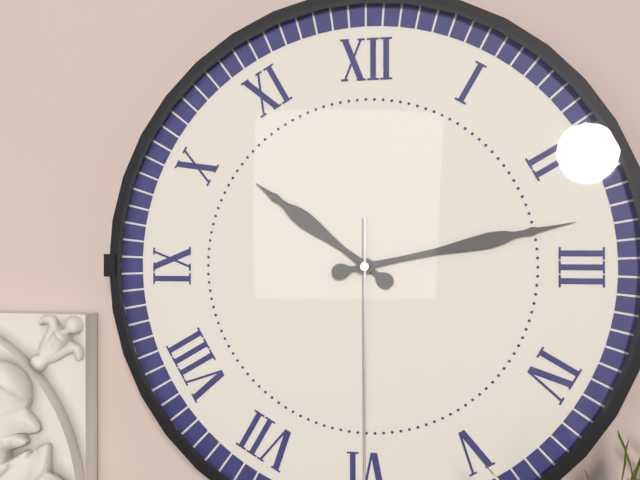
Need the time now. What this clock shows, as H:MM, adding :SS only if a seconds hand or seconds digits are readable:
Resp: 10:13
